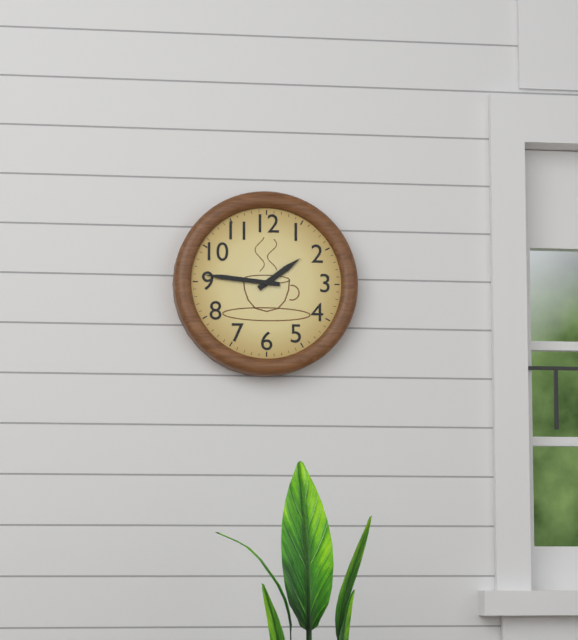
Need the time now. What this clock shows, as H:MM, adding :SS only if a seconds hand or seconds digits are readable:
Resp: 1:46
